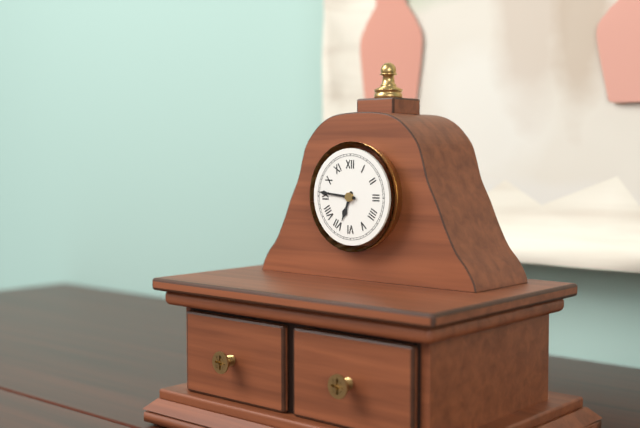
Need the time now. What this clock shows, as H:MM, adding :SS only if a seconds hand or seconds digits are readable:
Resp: 6:46
